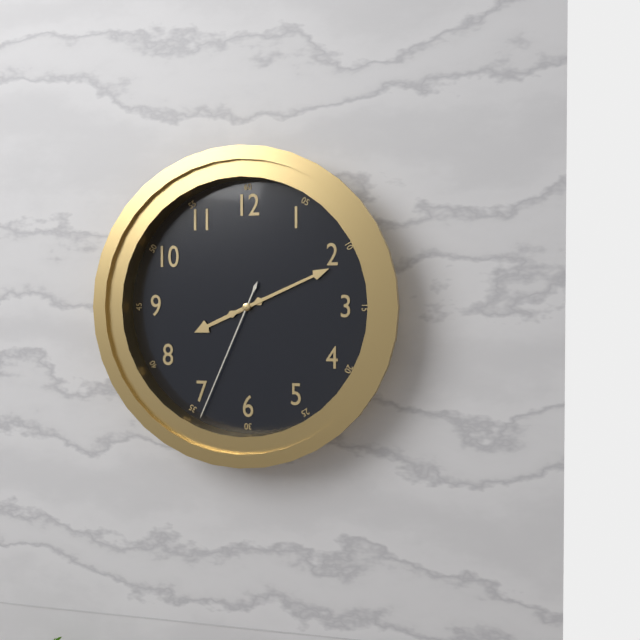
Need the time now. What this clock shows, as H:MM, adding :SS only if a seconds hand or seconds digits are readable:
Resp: 8:11:34
